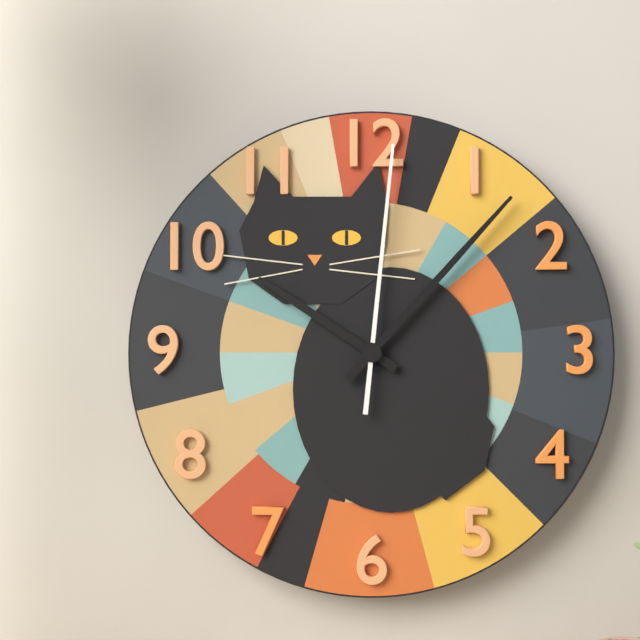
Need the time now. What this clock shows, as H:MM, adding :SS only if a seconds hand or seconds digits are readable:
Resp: 10:07:01
